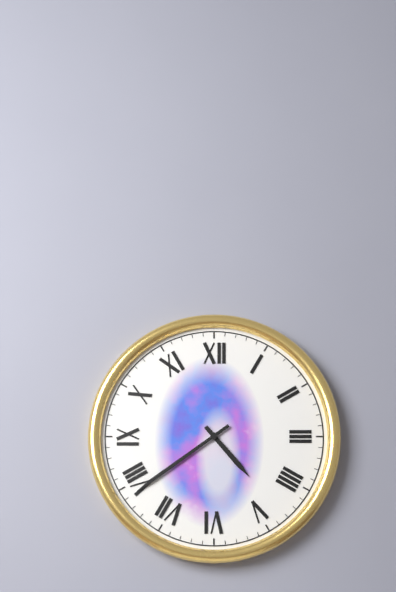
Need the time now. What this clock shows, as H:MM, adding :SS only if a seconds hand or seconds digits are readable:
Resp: 4:39
